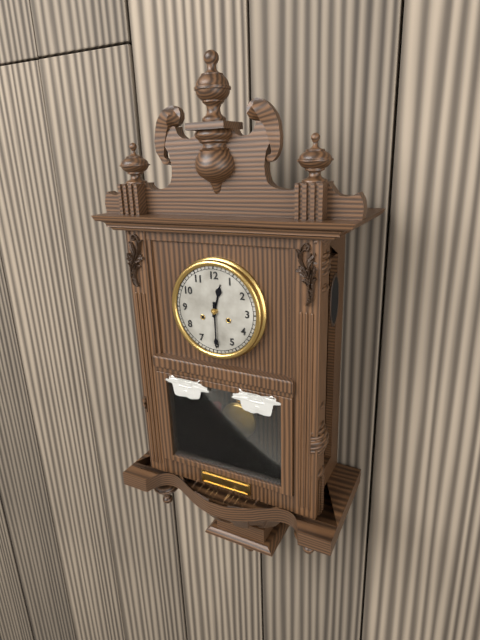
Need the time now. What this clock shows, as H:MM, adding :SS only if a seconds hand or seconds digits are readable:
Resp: 12:30
